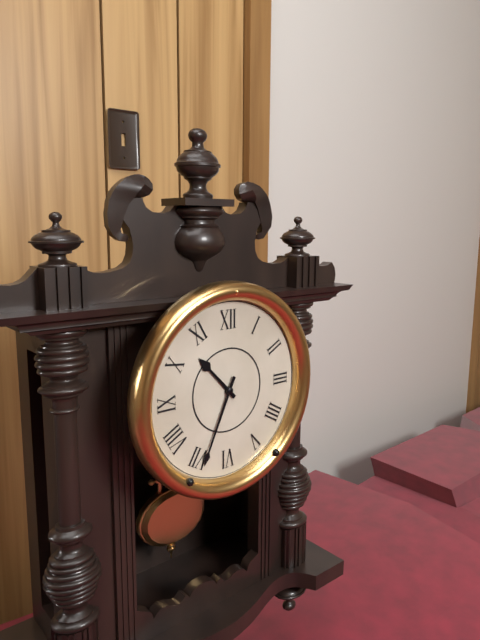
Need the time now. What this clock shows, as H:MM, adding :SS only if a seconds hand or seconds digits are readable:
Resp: 10:34
